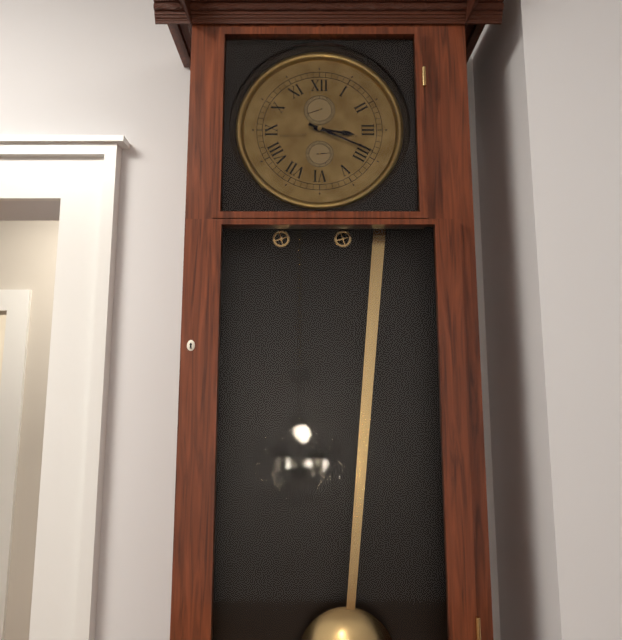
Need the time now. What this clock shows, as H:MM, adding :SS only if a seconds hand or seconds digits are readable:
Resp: 3:19
